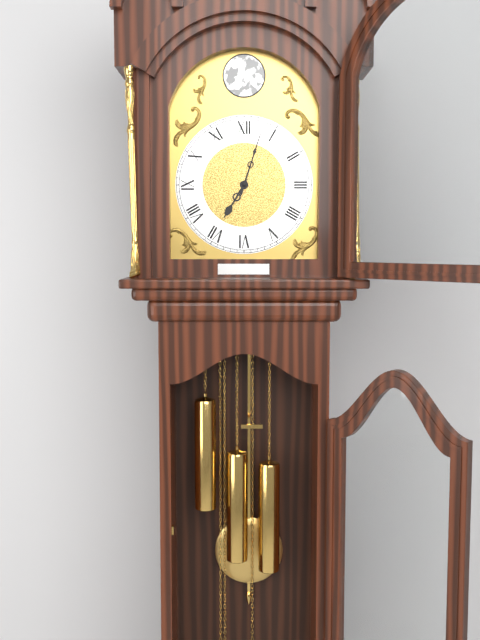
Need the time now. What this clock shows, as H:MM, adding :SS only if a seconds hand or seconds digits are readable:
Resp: 7:03
